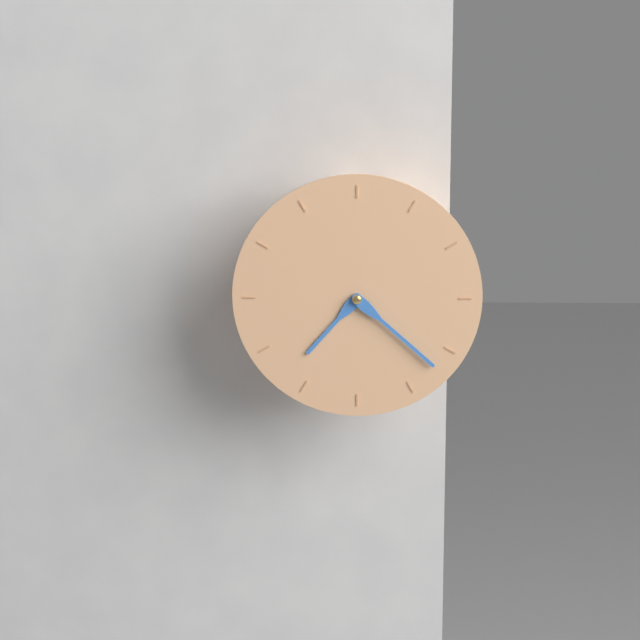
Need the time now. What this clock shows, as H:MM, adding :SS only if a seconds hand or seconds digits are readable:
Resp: 7:22
